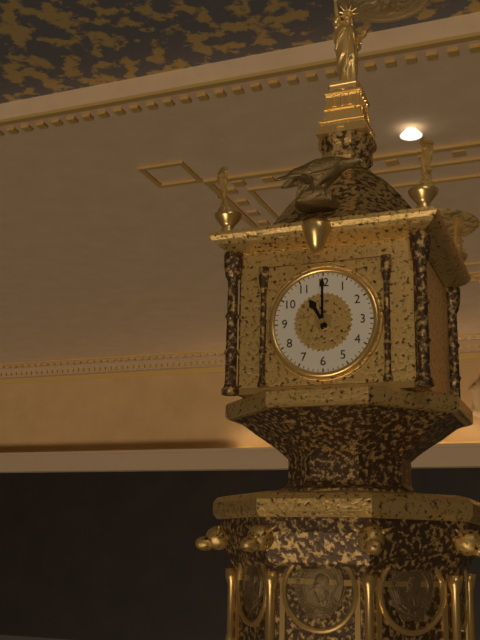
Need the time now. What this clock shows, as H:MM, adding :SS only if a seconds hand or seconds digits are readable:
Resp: 11:00
